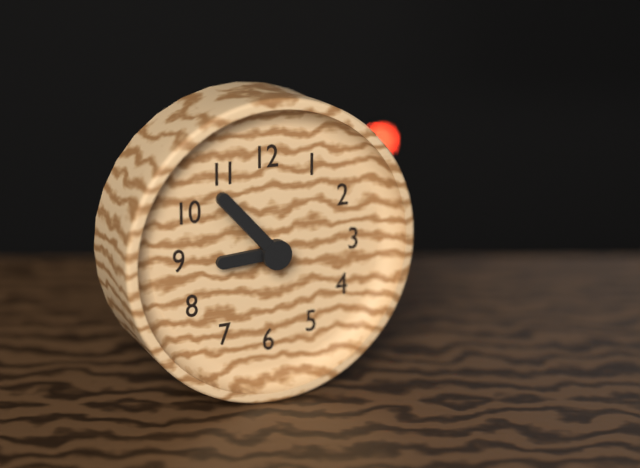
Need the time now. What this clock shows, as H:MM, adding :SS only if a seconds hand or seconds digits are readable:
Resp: 8:53
